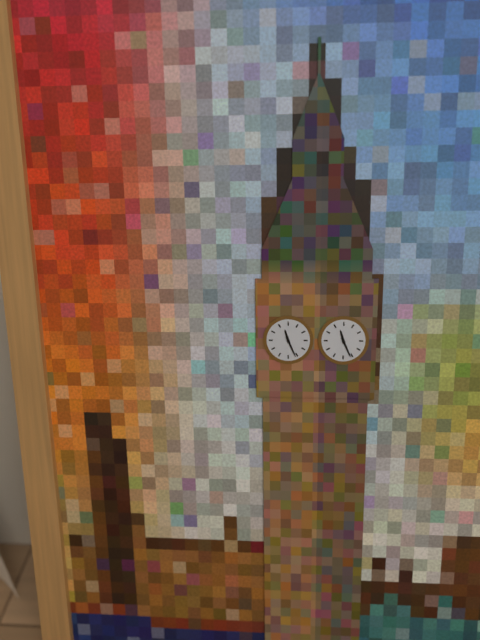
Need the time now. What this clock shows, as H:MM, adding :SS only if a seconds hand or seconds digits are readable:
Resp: 11:26
